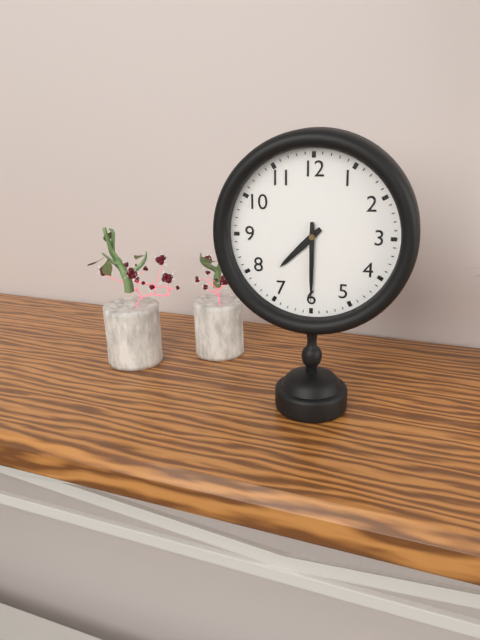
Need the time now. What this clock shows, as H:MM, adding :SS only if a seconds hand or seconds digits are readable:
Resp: 7:30
